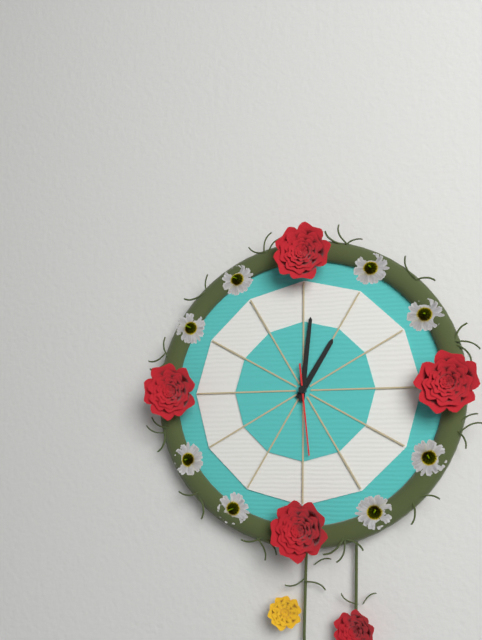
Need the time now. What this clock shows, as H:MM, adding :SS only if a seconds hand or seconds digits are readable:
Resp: 1:01:29
